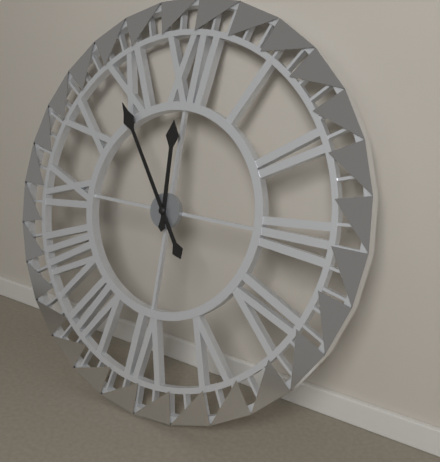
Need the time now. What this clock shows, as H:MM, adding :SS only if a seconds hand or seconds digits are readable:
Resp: 11:54
